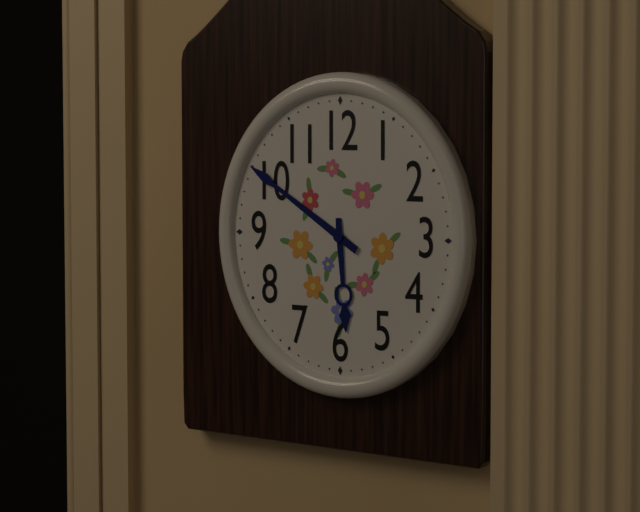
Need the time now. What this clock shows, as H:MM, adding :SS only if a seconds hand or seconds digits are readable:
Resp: 5:50
